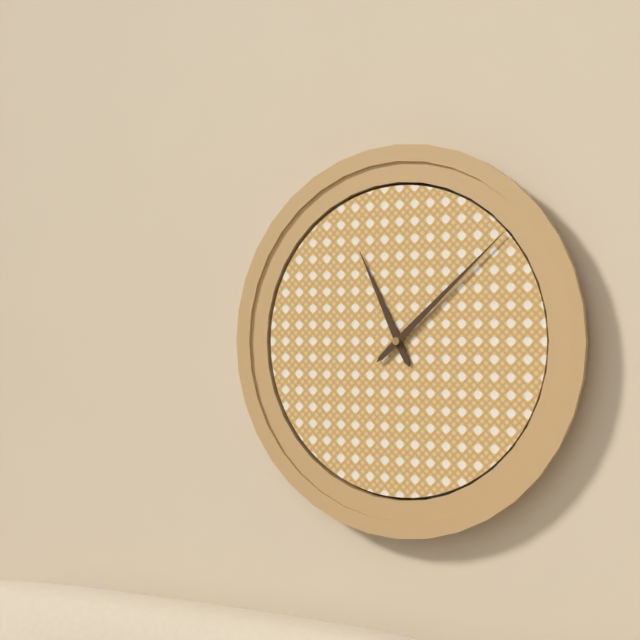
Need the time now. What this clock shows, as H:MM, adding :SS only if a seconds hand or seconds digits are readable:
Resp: 11:08
